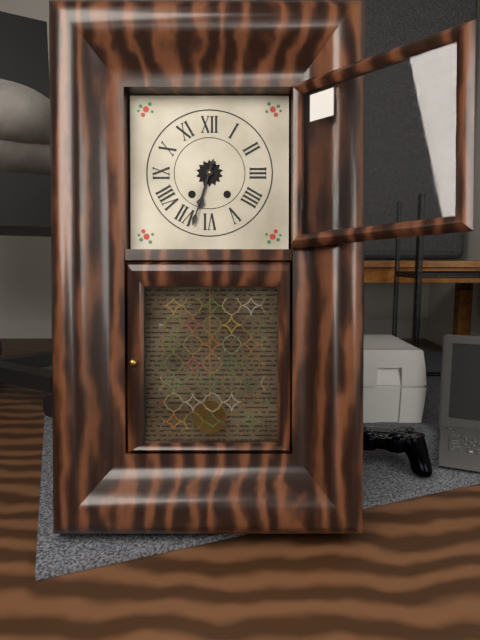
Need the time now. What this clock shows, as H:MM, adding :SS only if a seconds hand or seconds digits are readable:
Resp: 6:33
